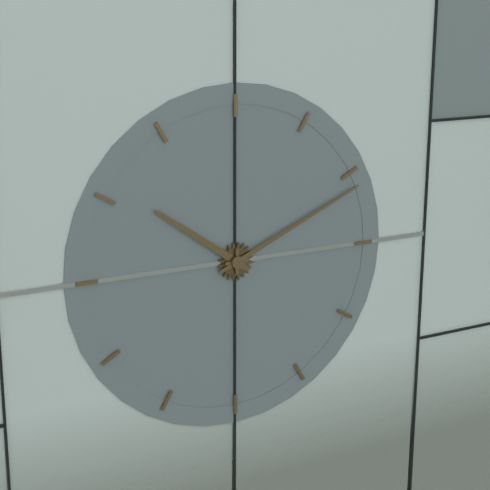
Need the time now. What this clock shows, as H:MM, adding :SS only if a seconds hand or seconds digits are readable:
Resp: 10:11
